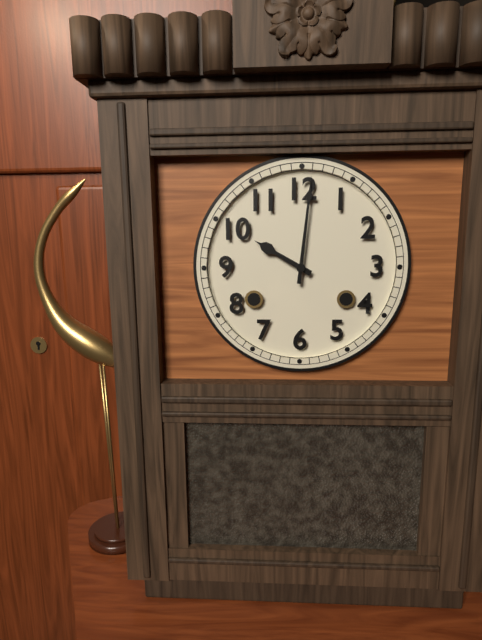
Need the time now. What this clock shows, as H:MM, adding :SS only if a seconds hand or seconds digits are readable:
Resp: 10:01
